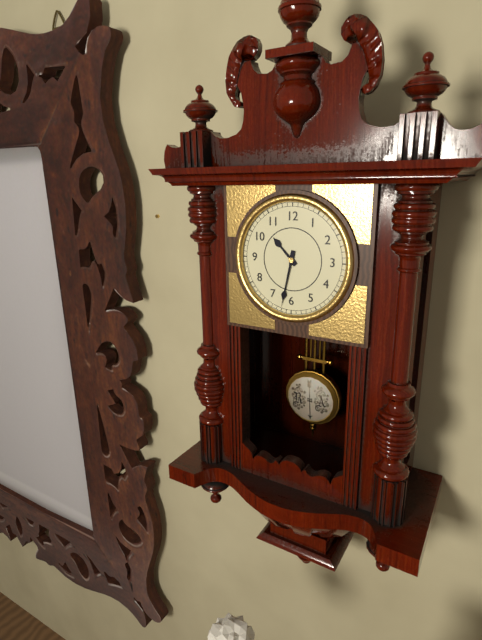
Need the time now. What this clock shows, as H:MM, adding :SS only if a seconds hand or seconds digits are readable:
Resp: 10:32
